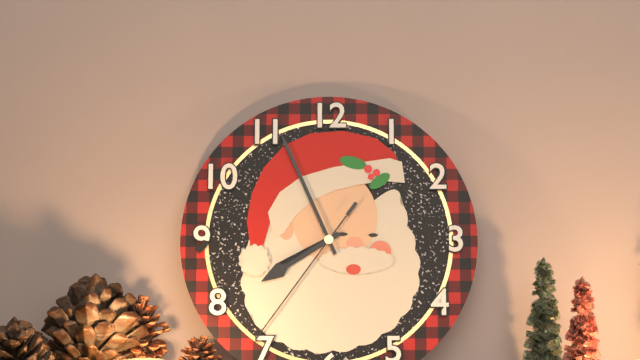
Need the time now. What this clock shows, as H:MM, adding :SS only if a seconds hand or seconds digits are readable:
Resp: 7:56:36
